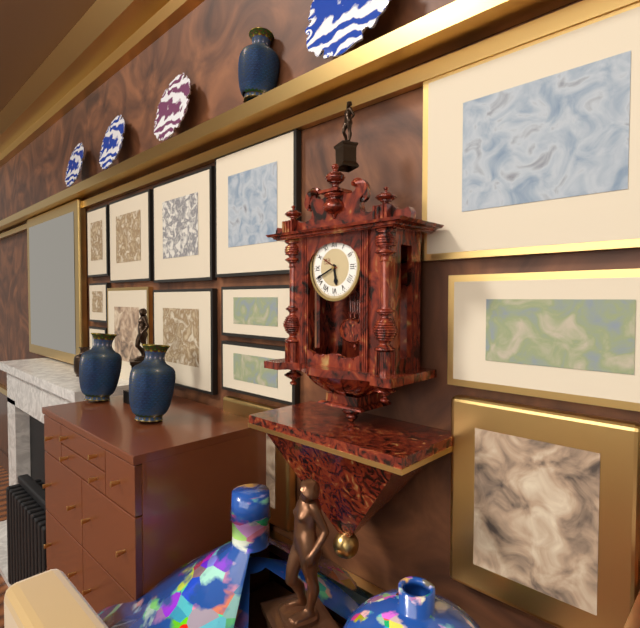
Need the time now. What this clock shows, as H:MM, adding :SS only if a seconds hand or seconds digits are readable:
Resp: 5:41
